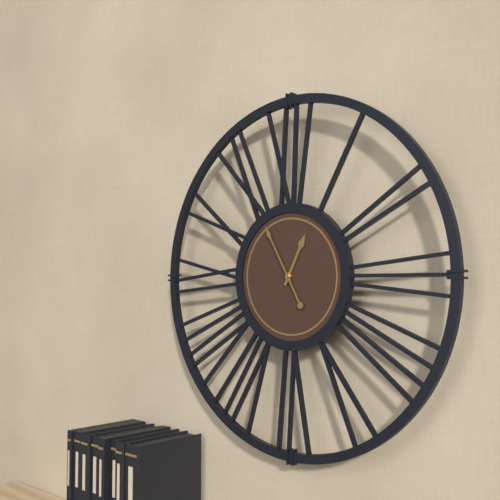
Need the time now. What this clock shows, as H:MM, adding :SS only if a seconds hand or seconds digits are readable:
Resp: 12:55
